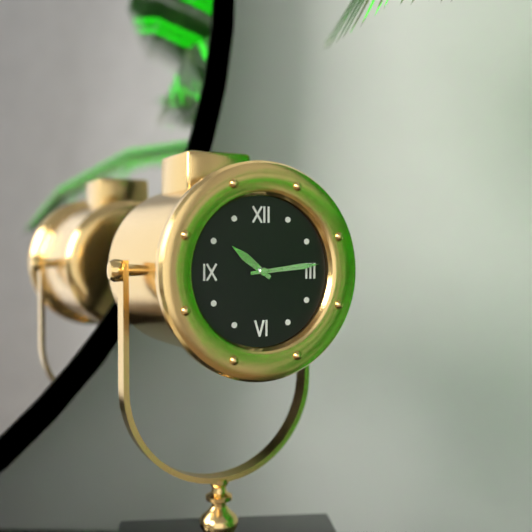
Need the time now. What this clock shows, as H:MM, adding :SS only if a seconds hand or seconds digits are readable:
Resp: 10:14
